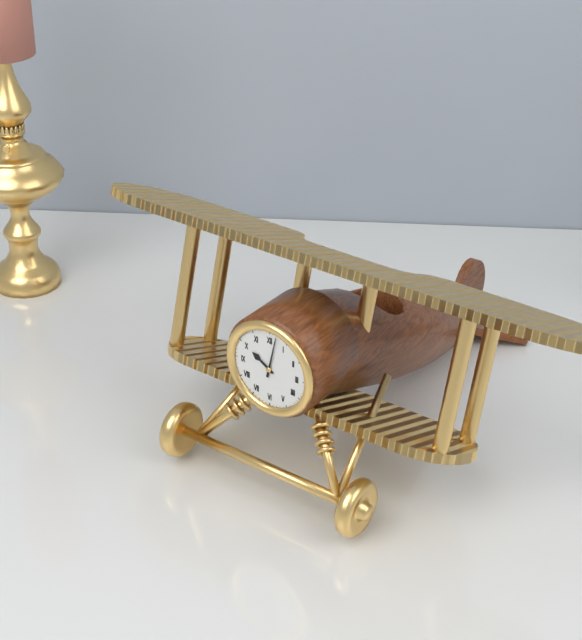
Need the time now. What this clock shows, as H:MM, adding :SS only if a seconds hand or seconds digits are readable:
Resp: 10:02
